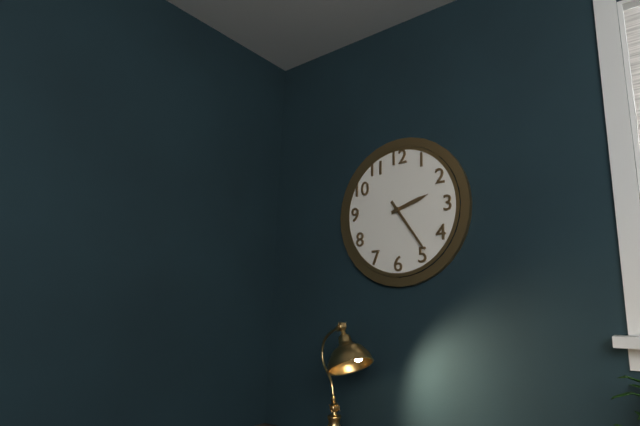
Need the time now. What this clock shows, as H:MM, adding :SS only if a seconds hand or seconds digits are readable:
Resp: 2:24
